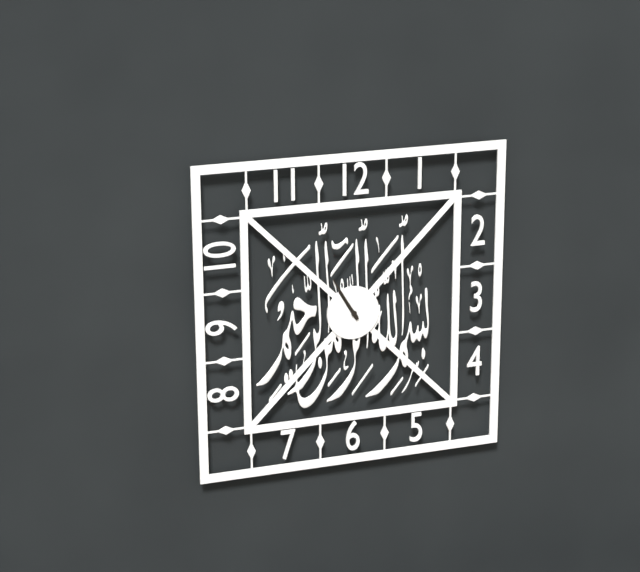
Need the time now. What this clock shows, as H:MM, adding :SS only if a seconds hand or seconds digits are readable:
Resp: 10:55
